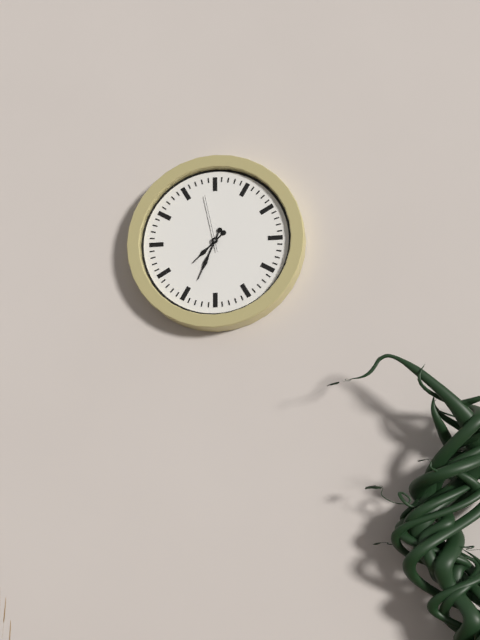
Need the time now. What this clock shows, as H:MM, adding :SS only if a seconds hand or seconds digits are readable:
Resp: 7:34:58
